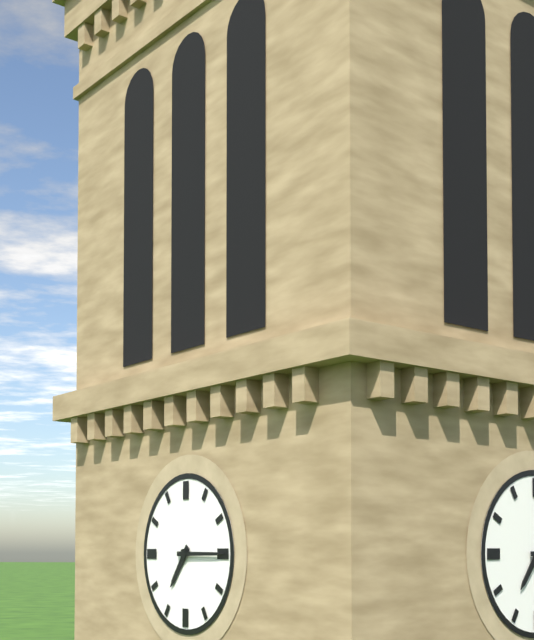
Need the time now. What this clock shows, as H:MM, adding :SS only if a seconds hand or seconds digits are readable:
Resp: 7:15
